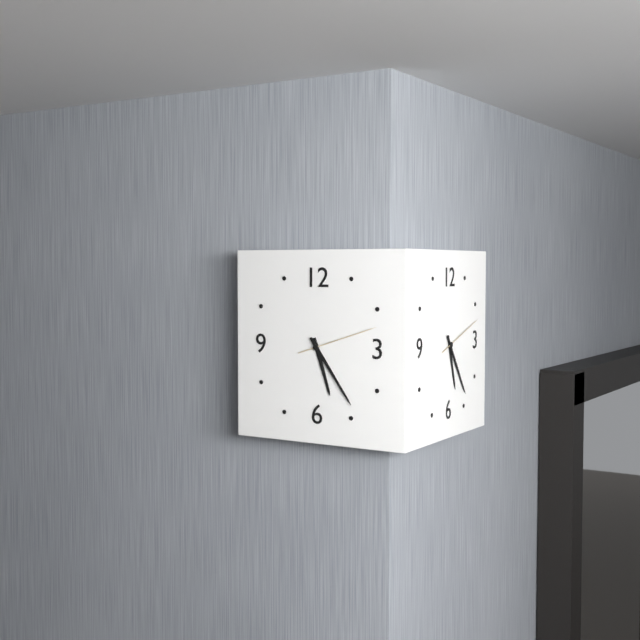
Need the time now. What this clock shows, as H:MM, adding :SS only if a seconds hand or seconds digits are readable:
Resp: 5:24:12
